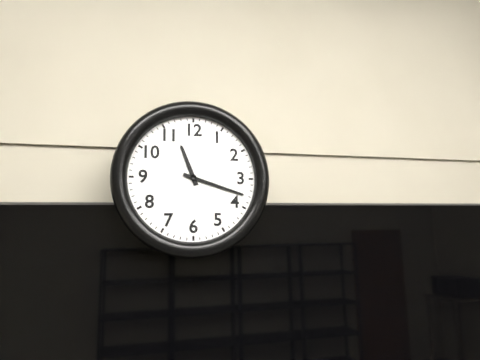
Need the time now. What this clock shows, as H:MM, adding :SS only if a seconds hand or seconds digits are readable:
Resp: 11:18
